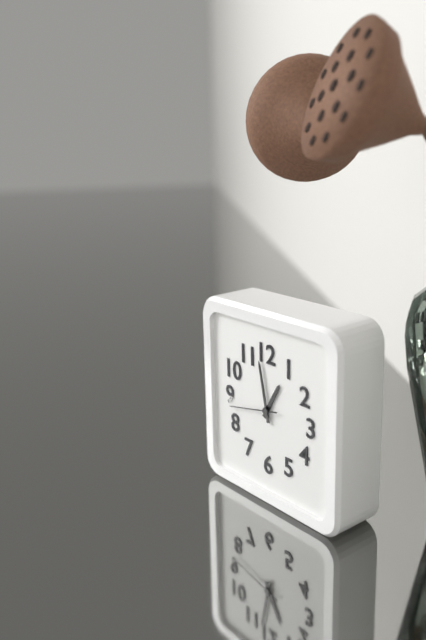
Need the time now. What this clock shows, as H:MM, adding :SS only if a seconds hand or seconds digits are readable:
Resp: 12:58
